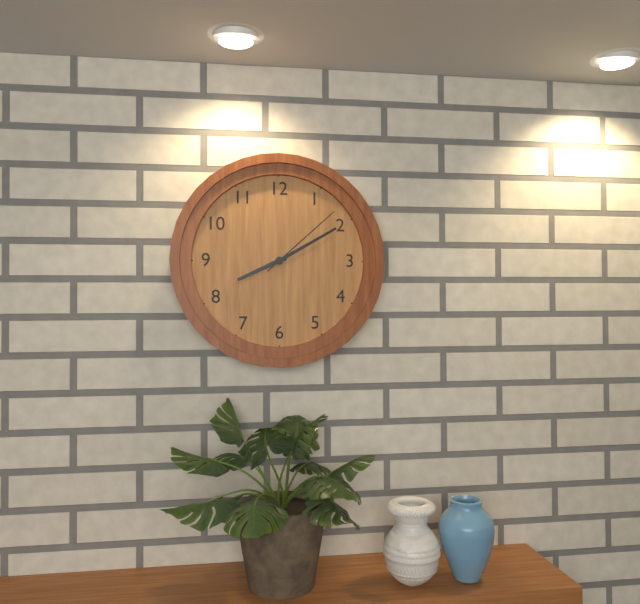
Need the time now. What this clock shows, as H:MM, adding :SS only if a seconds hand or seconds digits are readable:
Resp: 8:10:08
